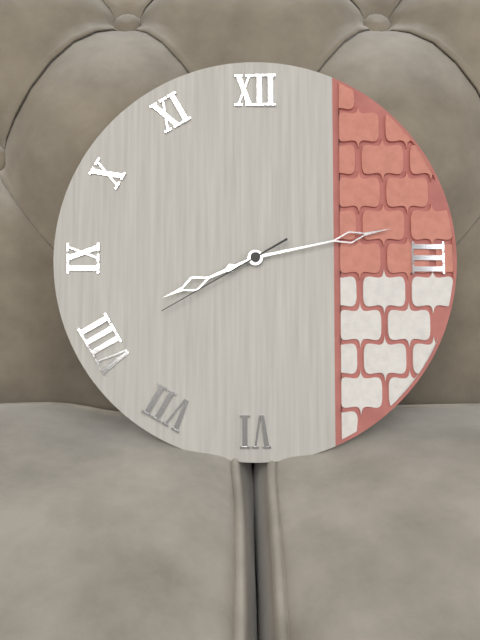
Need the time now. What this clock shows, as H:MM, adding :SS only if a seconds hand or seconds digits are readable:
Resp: 8:13:40
